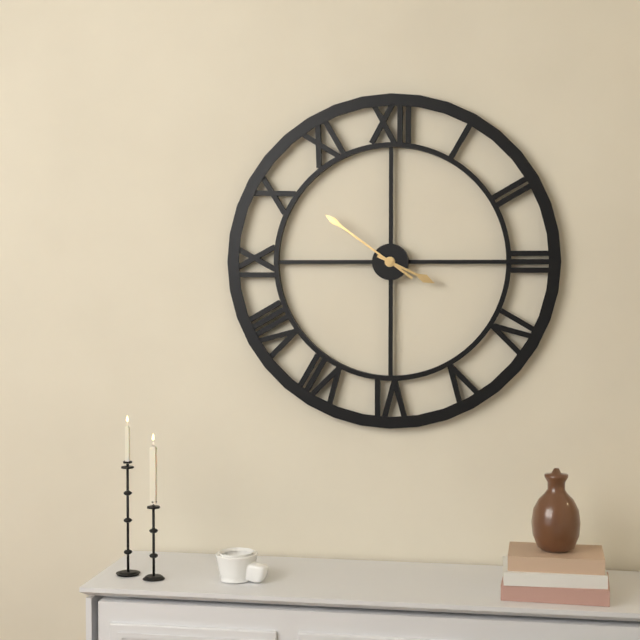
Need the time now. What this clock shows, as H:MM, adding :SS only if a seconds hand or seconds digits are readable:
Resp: 3:51
